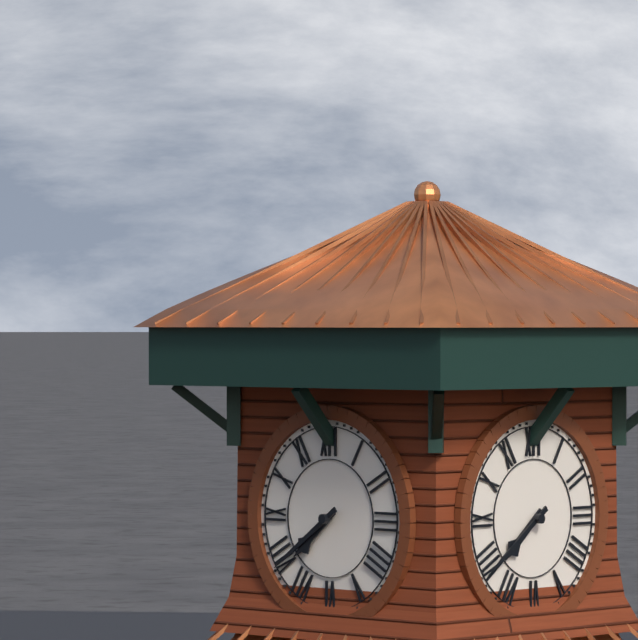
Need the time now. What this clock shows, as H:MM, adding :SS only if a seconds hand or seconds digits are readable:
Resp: 7:39
